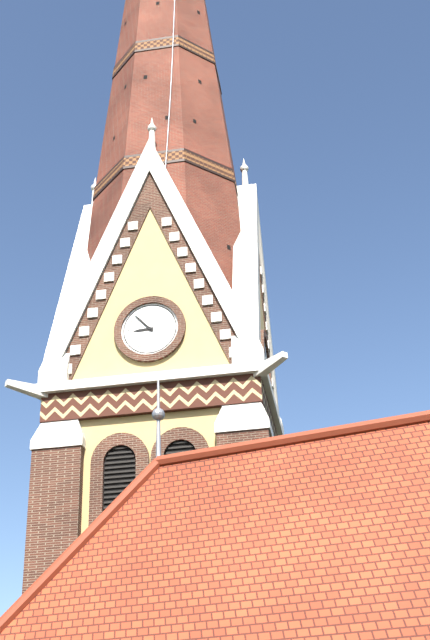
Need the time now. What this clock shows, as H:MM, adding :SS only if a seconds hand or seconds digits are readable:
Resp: 8:53
